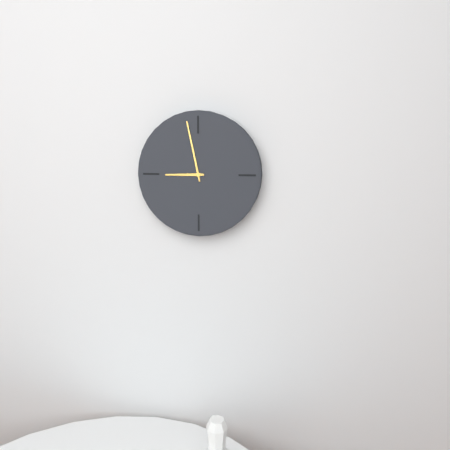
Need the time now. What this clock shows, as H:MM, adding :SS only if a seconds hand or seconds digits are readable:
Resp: 8:58
